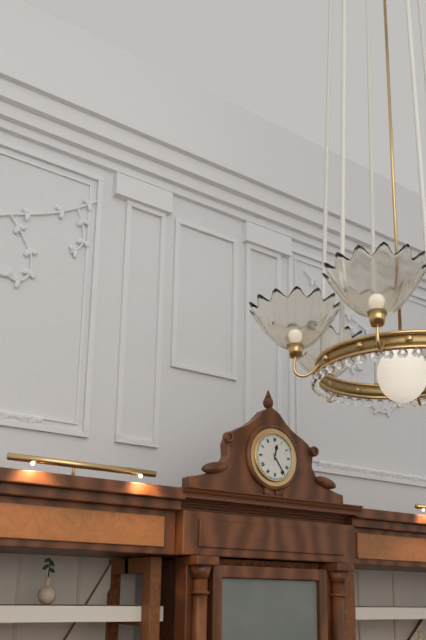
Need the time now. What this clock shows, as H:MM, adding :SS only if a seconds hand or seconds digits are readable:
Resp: 12:24
